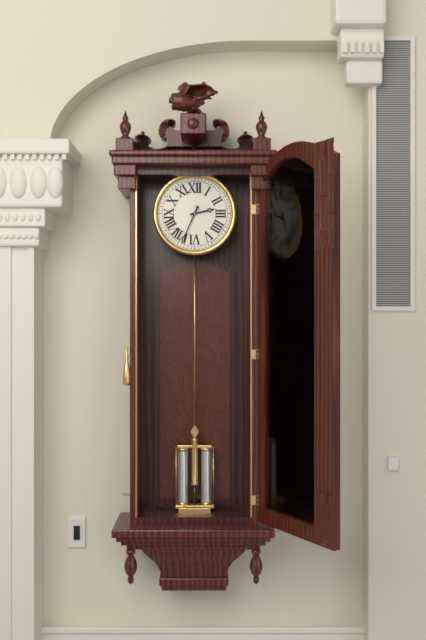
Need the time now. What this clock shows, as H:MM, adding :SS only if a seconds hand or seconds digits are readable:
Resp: 2:34
